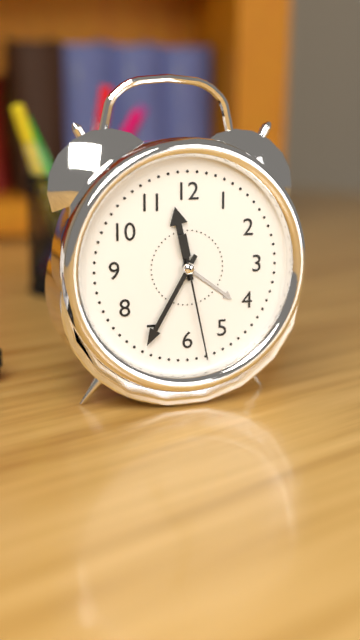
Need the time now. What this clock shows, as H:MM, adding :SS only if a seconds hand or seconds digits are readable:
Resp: 11:35:28
